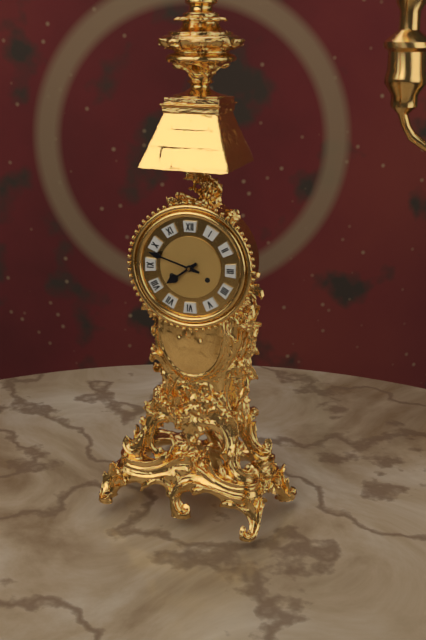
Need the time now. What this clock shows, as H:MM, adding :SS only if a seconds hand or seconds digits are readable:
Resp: 7:48
